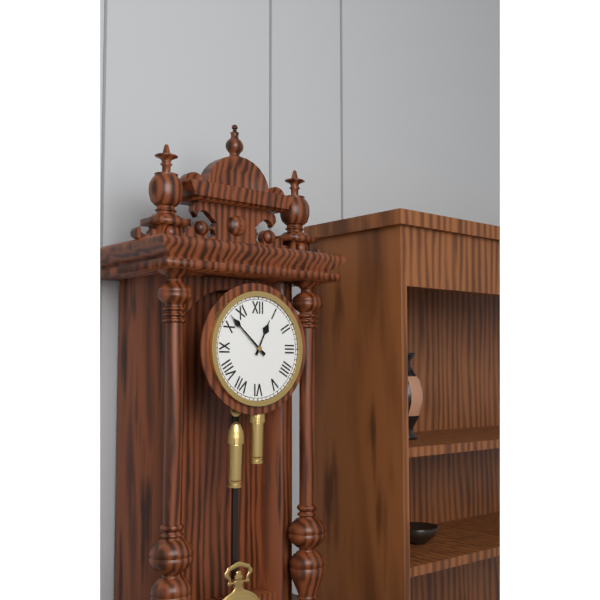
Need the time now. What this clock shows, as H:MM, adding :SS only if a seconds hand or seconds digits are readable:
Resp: 12:52
